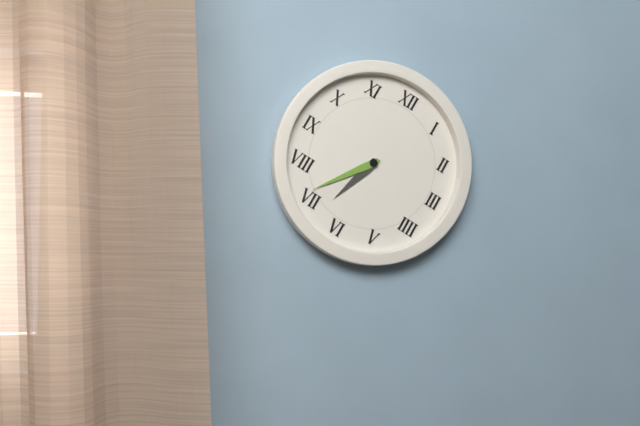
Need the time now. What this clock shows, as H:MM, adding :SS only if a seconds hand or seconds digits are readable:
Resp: 6:36
